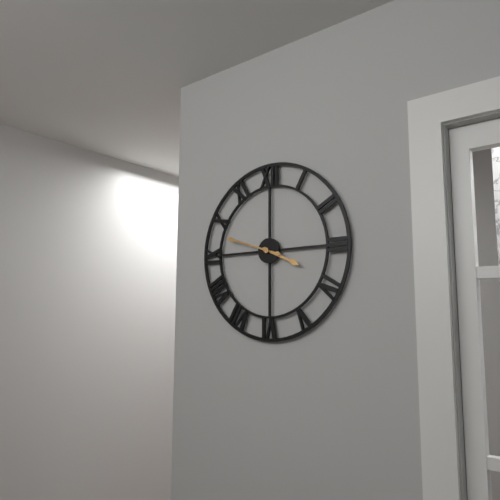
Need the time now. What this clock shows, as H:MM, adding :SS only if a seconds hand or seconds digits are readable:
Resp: 3:48
